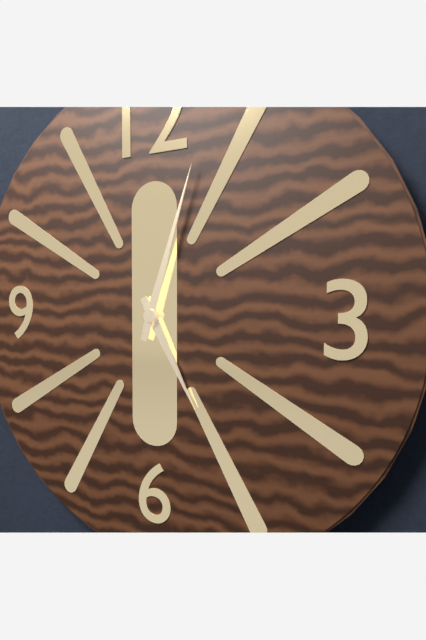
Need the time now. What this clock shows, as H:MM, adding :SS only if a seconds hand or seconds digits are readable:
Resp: 5:03
